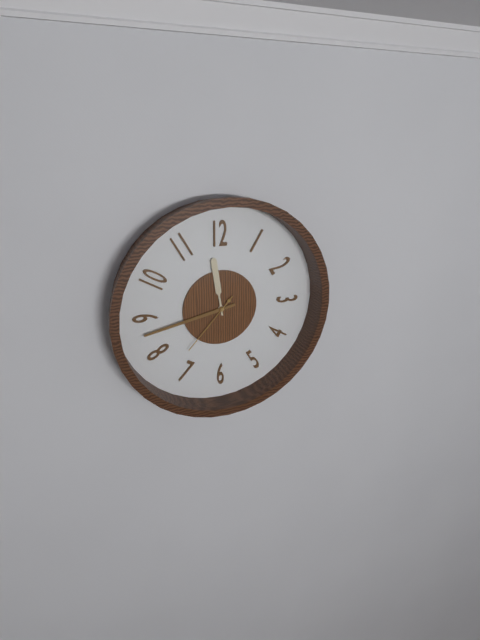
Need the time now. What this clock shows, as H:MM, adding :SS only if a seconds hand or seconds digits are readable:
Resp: 11:43:37
